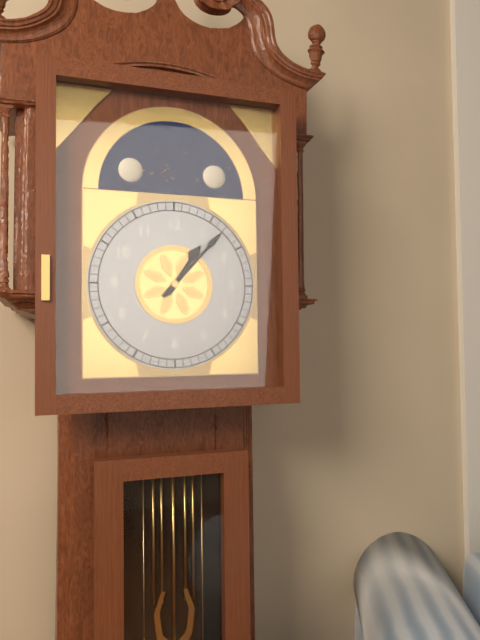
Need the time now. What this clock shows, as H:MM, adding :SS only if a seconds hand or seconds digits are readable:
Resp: 1:07
